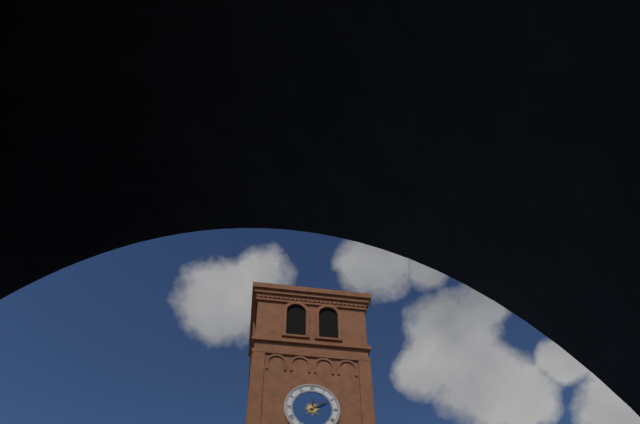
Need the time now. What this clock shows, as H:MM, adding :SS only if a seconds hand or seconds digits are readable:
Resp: 12:10
